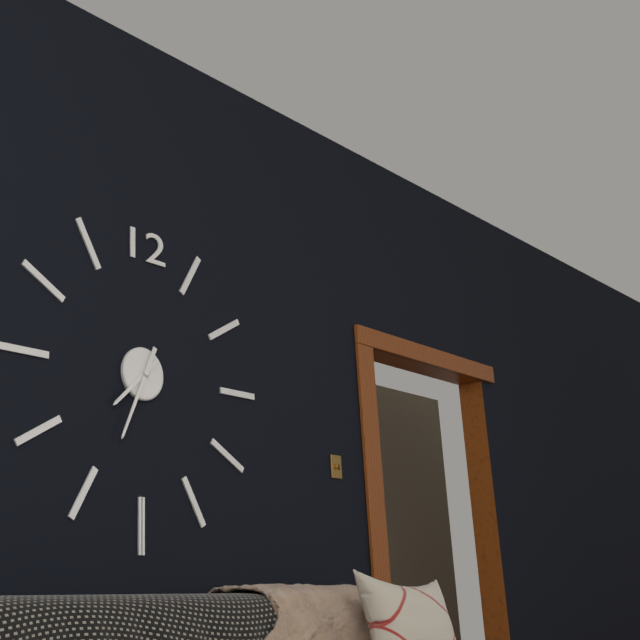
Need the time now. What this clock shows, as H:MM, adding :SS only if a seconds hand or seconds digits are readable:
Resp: 7:34
